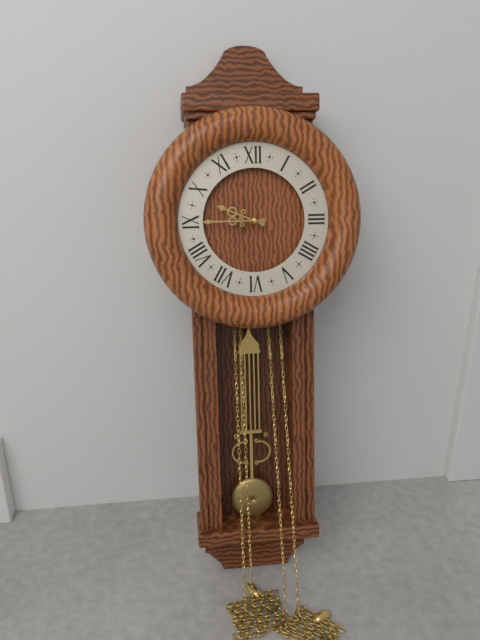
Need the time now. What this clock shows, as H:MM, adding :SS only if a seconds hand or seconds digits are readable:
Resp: 9:45
